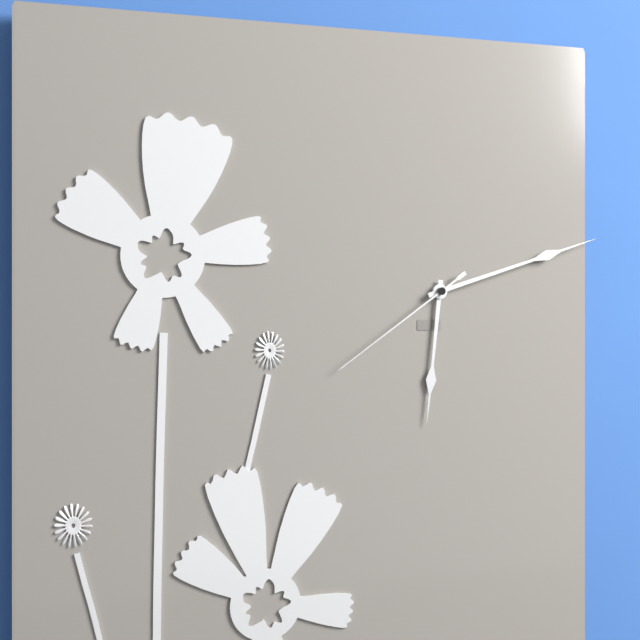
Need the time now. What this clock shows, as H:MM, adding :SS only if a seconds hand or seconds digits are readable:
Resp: 6:12:39
